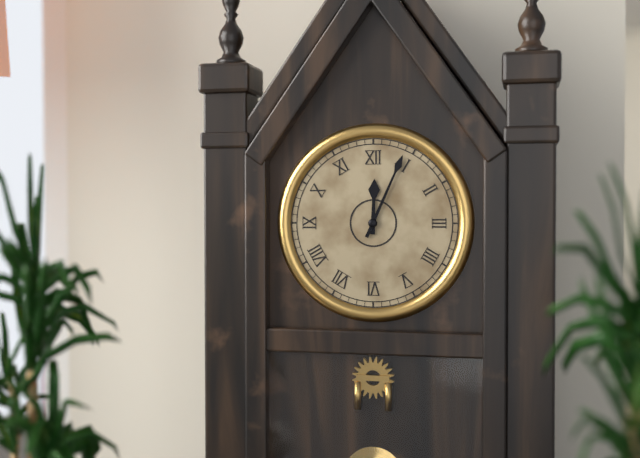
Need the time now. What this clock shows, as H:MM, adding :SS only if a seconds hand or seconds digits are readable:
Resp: 12:04
